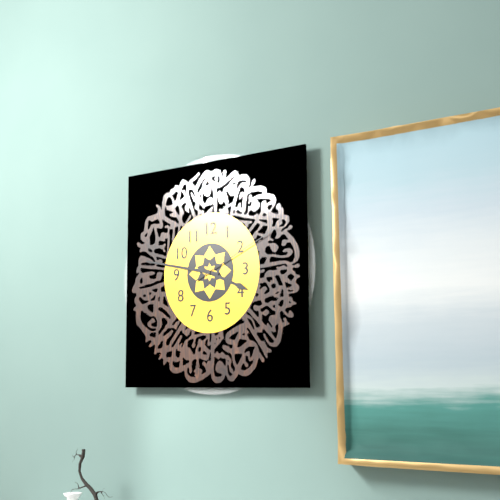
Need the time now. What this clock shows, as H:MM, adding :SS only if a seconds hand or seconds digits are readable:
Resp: 3:47:11
